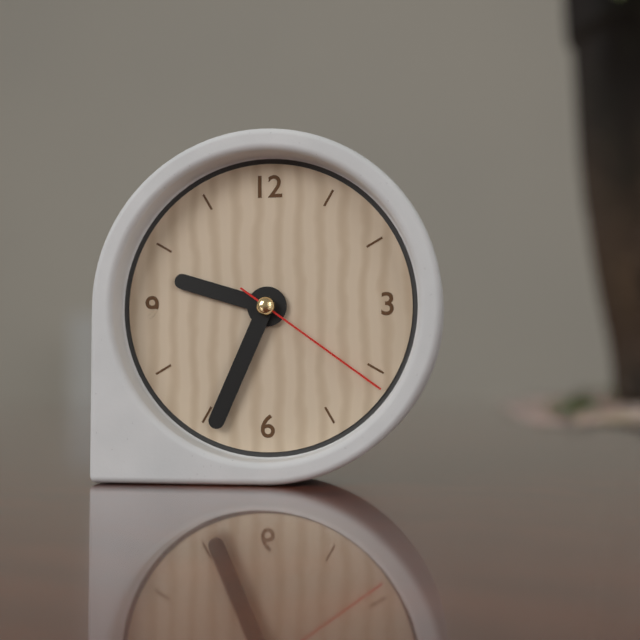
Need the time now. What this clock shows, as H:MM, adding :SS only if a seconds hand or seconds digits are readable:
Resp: 9:34:21
